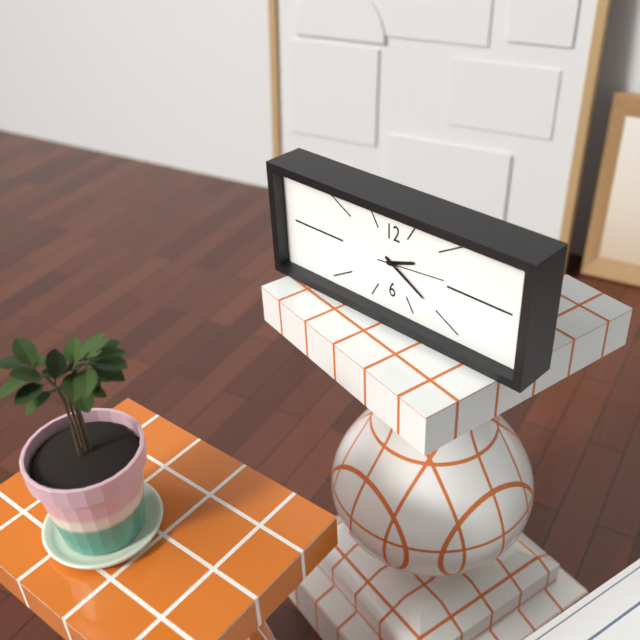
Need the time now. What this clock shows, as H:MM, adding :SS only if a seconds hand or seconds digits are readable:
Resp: 2:20:14
